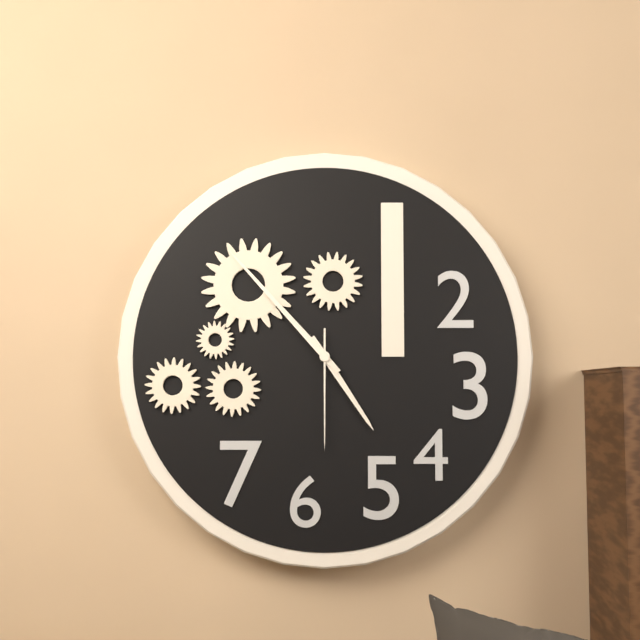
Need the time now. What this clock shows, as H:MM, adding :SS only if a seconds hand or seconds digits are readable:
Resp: 4:53:30
